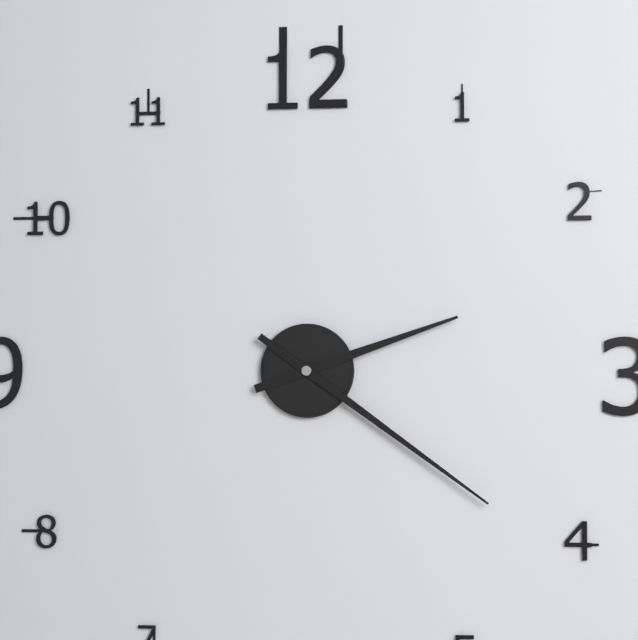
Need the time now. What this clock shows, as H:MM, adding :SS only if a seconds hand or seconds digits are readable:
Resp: 2:21
